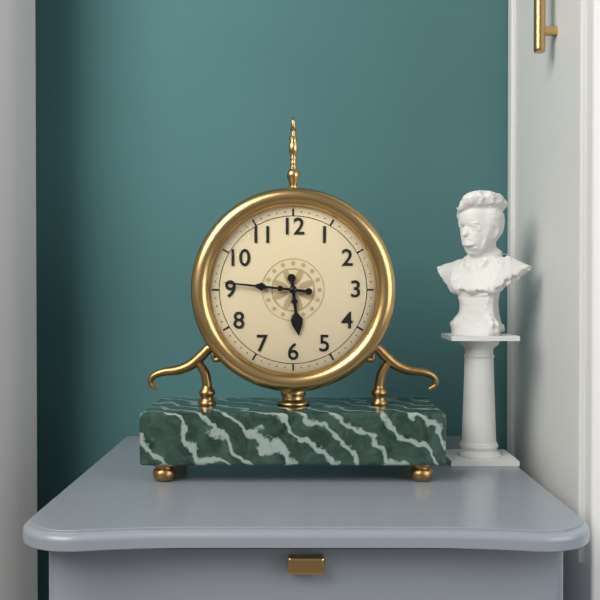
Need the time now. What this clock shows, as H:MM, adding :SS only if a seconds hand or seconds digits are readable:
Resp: 5:46
